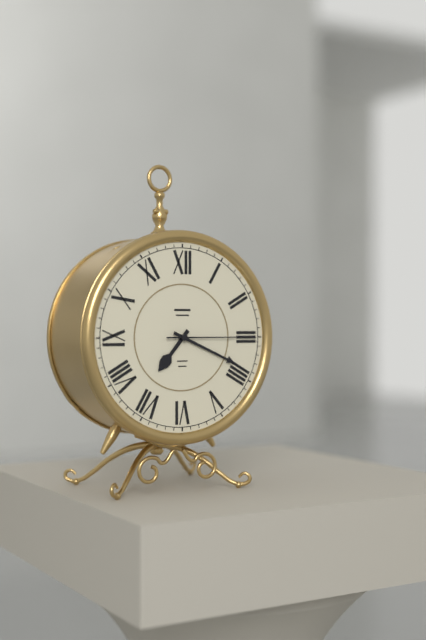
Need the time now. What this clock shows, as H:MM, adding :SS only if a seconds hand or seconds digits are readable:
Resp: 7:19:15
